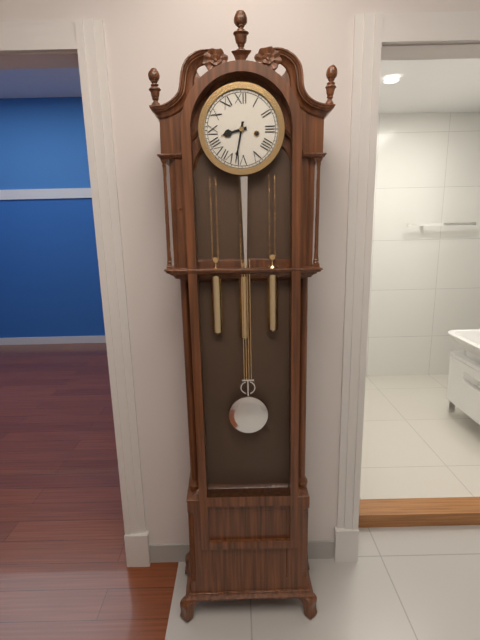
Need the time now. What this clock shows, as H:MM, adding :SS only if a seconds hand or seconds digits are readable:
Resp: 8:32
